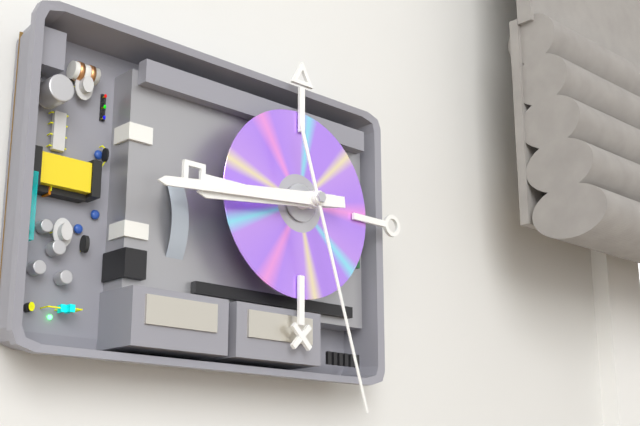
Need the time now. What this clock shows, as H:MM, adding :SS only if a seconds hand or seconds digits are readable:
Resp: 8:44:27
